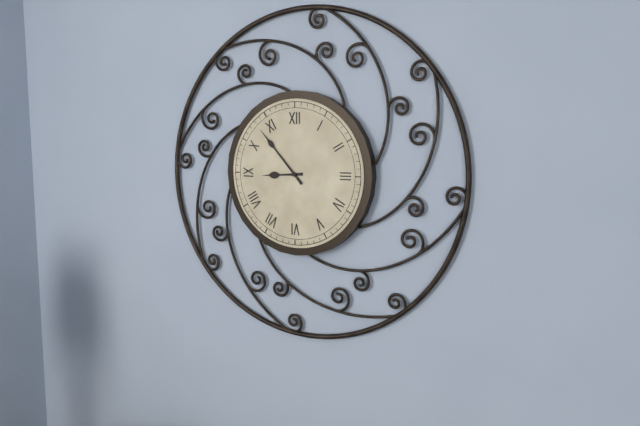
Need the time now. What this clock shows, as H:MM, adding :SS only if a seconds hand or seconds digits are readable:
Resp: 8:53
